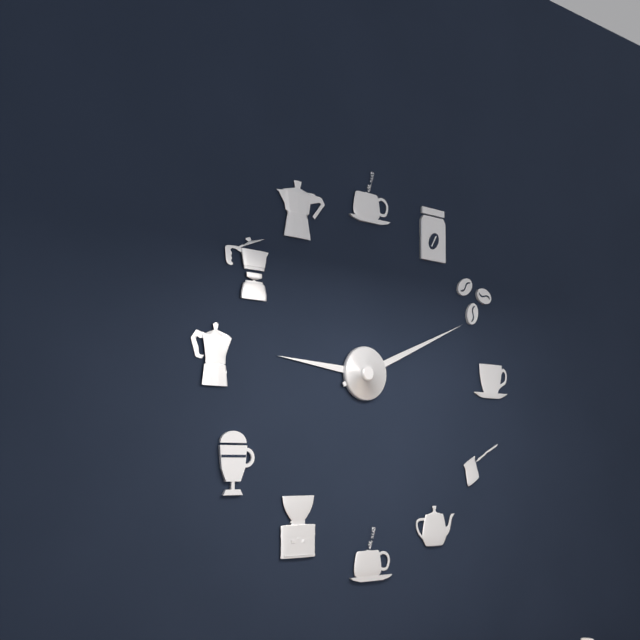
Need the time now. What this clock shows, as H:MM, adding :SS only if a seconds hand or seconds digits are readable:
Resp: 9:11
